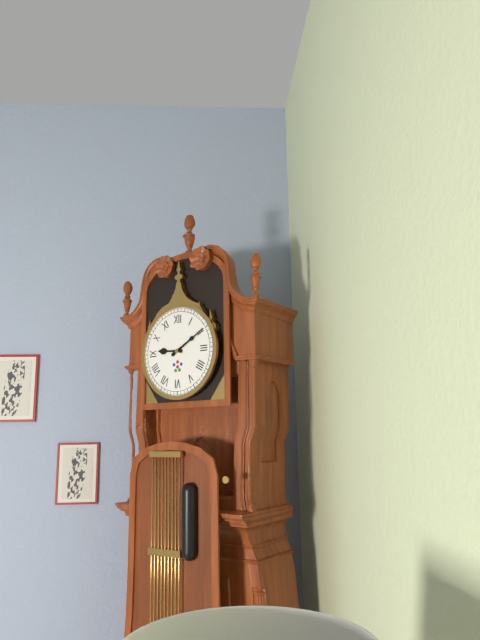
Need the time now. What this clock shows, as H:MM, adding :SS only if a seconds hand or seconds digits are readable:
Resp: 9:10
